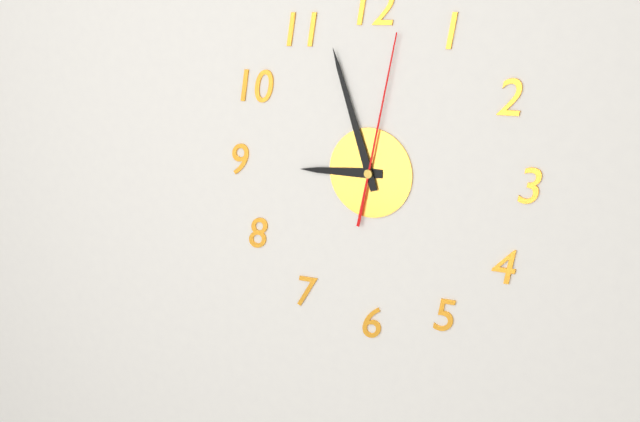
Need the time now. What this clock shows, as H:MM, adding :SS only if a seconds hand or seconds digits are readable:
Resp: 8:57:02
